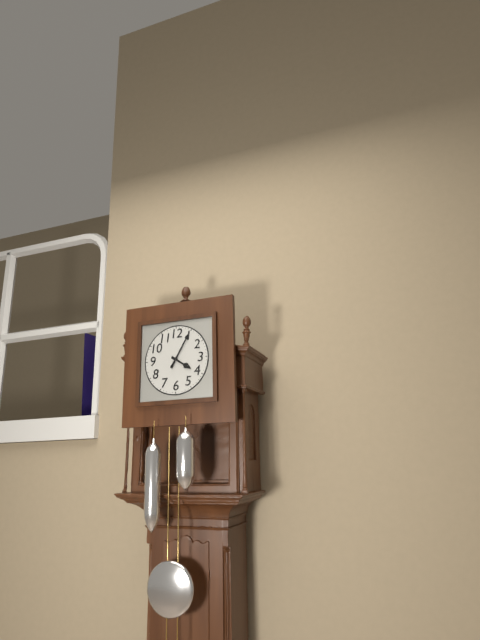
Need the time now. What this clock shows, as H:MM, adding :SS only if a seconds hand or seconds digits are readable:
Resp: 4:05
